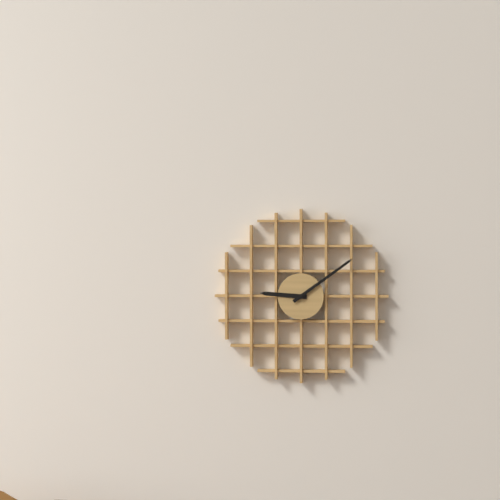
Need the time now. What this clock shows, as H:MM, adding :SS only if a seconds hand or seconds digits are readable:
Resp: 9:09
